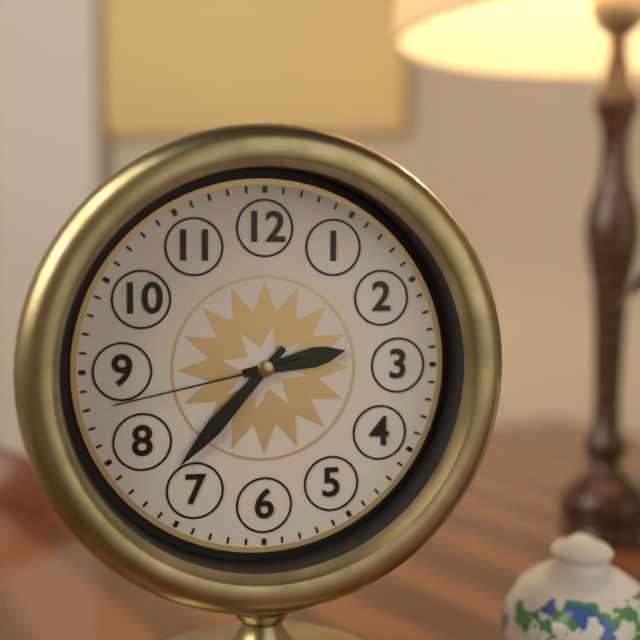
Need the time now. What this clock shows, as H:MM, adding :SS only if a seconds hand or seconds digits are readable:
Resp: 2:37:43
